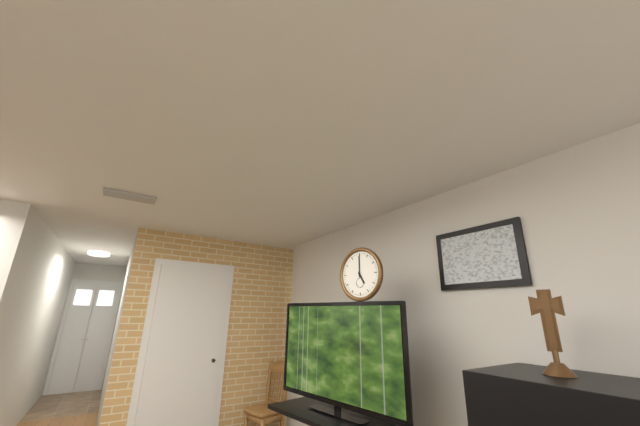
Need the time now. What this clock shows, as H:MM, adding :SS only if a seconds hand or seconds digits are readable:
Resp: 5:00
